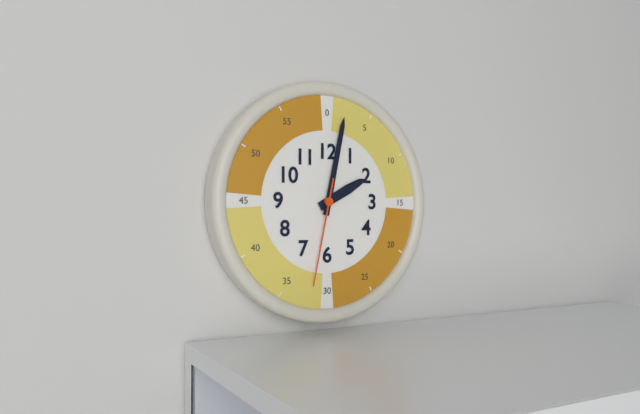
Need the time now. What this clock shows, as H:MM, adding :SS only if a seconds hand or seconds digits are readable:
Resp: 2:02:32
